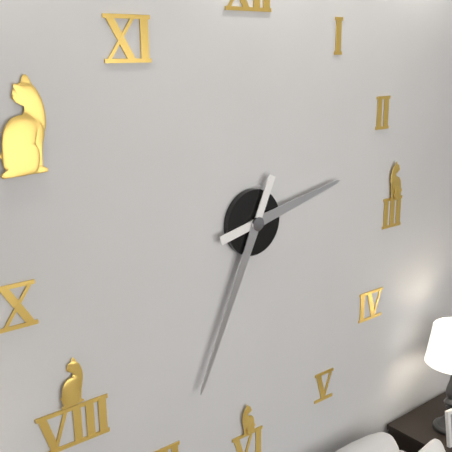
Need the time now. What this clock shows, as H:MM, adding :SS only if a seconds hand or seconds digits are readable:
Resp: 2:34
